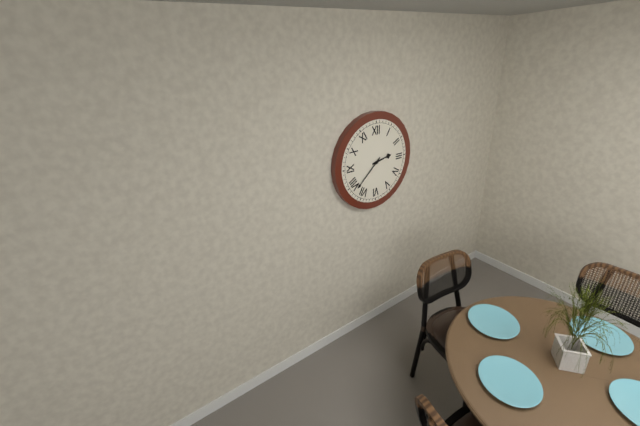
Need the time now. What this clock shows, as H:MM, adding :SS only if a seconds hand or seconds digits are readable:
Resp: 2:38
